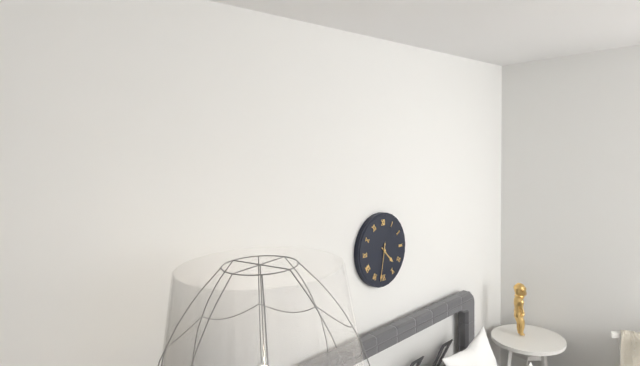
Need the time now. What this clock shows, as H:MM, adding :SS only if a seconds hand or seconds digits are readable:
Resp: 4:32
